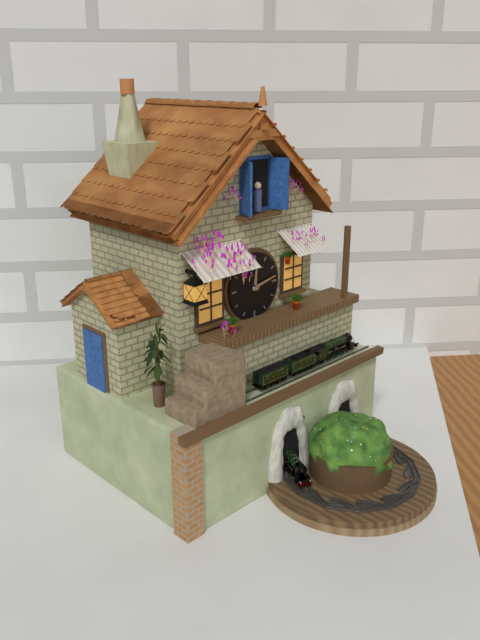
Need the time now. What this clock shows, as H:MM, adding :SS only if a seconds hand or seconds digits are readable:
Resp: 12:13
